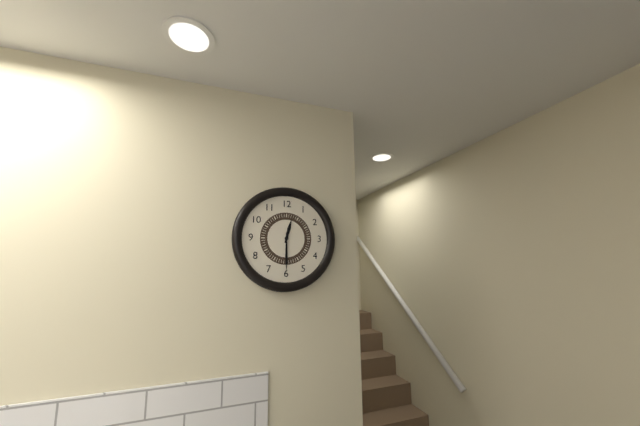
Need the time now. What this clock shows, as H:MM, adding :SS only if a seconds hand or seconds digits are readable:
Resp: 12:30
